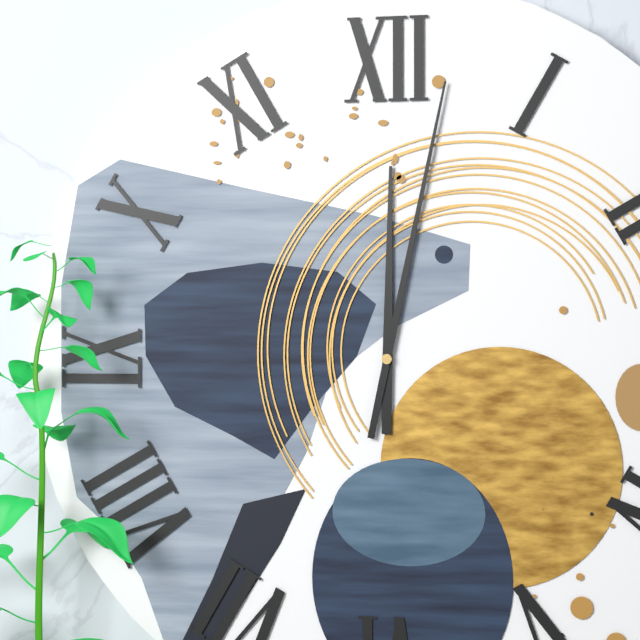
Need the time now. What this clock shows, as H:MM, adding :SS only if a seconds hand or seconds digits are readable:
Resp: 12:02
